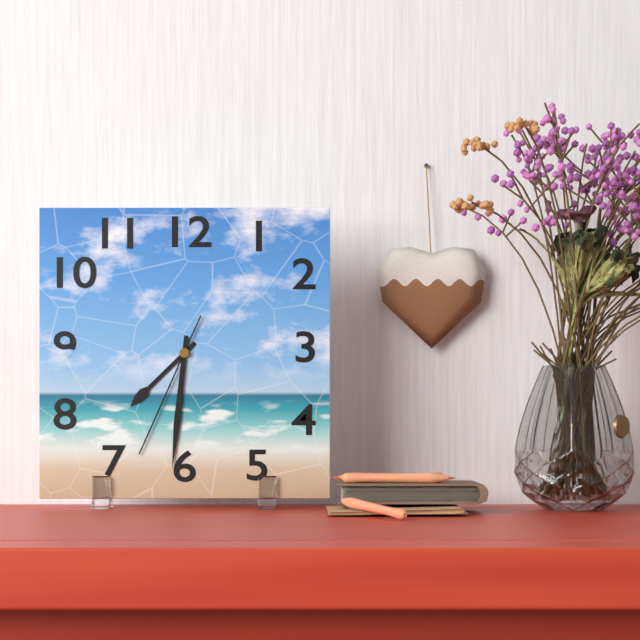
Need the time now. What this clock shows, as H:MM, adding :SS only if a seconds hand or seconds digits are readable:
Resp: 7:31:34
